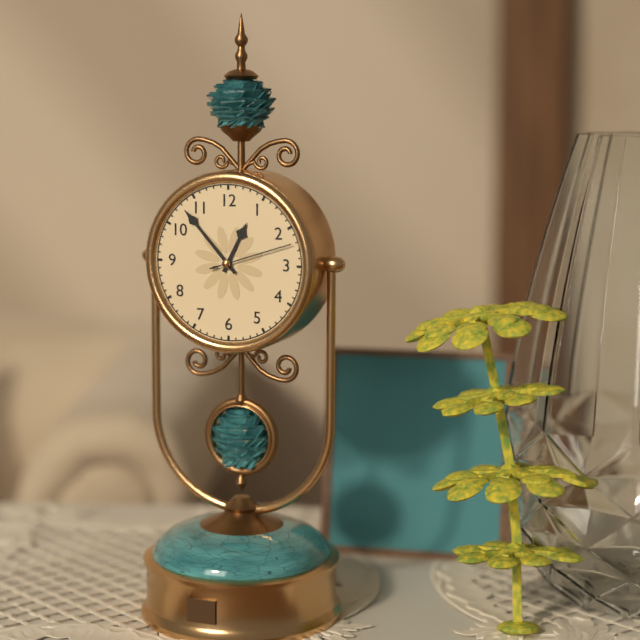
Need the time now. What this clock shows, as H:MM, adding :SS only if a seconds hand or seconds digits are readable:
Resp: 12:53:12
